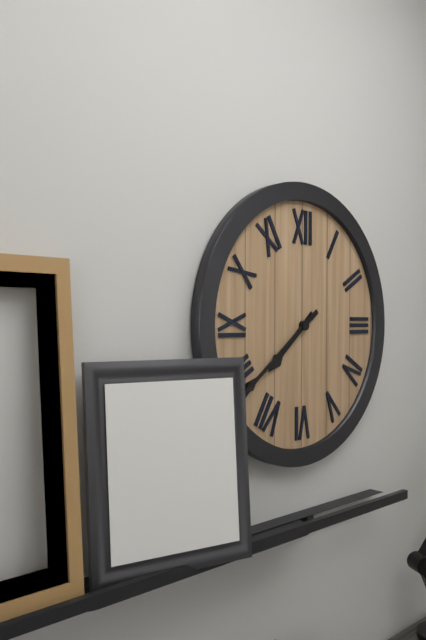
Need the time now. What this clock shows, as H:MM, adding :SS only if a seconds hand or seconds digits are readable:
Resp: 7:39
